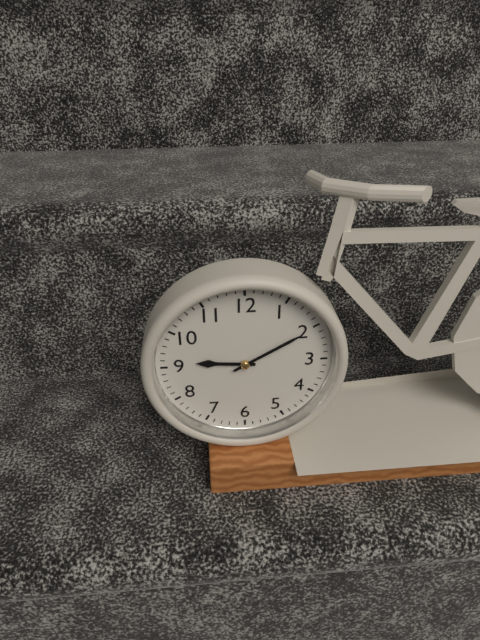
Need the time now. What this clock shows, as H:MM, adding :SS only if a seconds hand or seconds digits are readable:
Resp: 9:10
